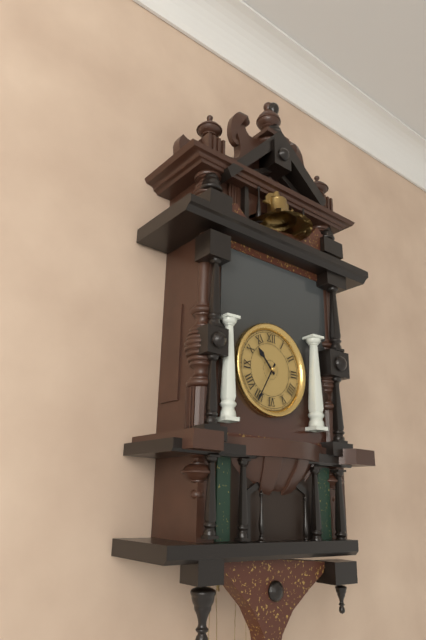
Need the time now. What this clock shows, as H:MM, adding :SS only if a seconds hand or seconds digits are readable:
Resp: 10:35
